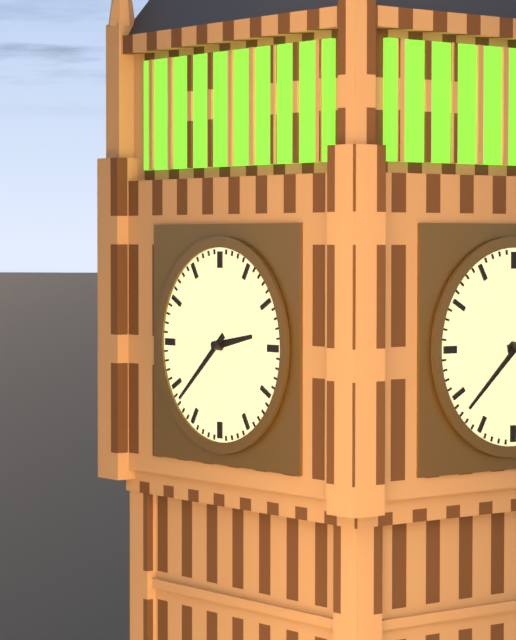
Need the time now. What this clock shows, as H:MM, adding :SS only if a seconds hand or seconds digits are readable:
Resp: 2:38
